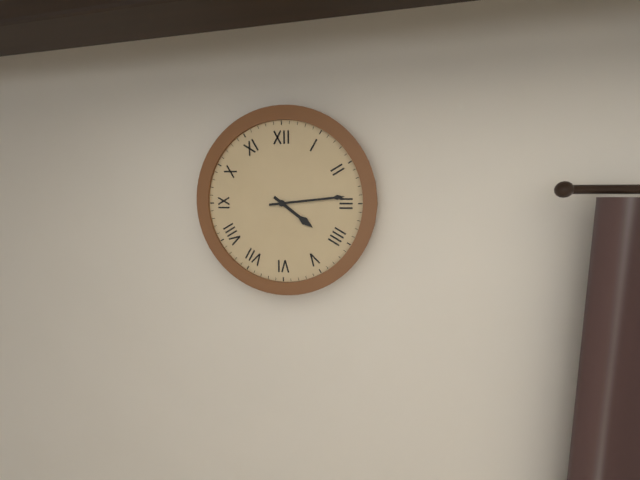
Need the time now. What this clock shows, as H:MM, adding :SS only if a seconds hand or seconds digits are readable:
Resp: 4:14
